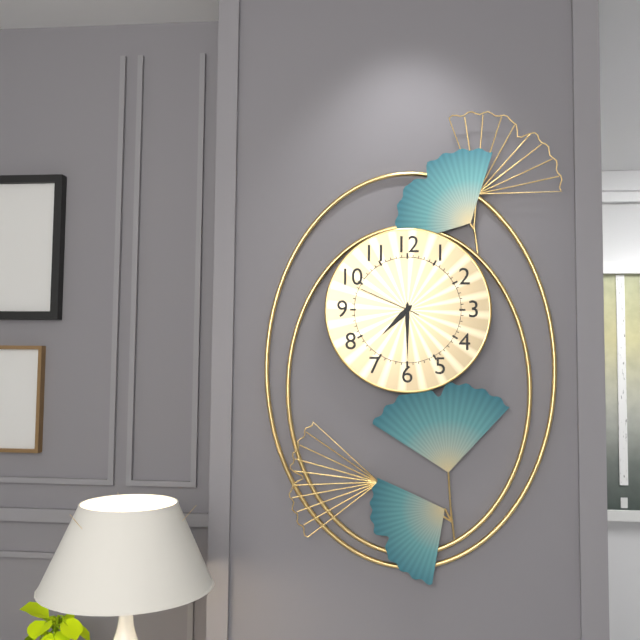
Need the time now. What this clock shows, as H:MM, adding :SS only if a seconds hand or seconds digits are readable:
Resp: 7:30:49
